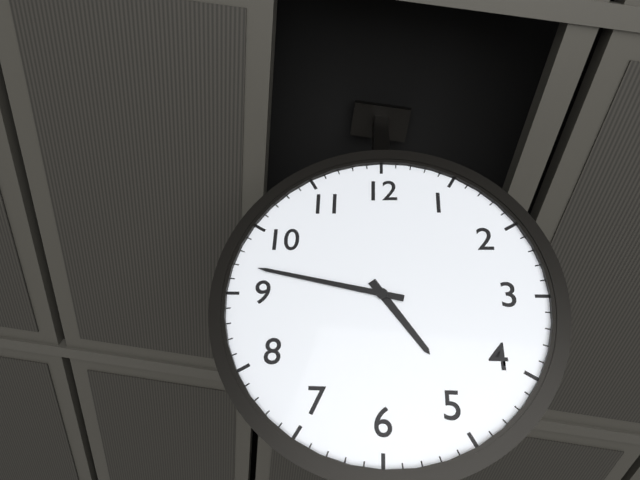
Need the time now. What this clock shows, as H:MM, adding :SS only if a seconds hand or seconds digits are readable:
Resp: 4:47
